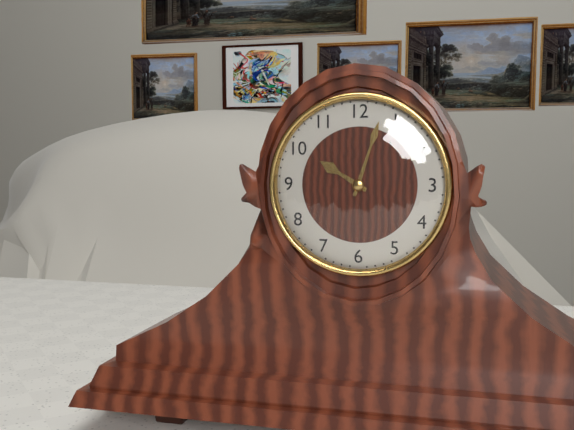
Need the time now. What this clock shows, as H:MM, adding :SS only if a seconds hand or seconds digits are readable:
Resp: 10:03
